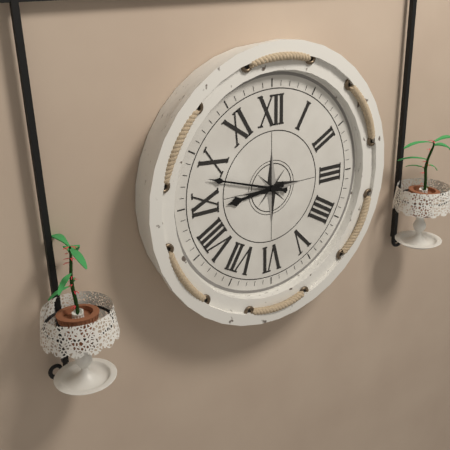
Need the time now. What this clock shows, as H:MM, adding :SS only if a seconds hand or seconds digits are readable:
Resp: 8:48
